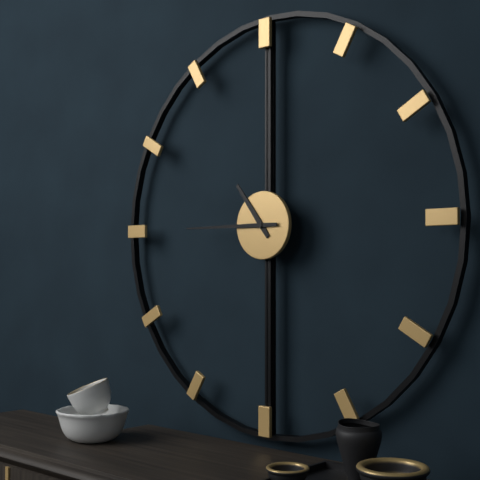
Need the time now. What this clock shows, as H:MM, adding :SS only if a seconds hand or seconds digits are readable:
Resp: 10:45
